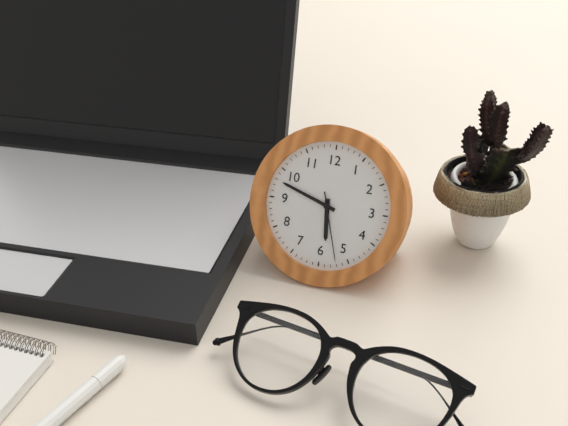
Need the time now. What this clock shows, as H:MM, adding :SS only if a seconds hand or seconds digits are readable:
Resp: 5:48:27
